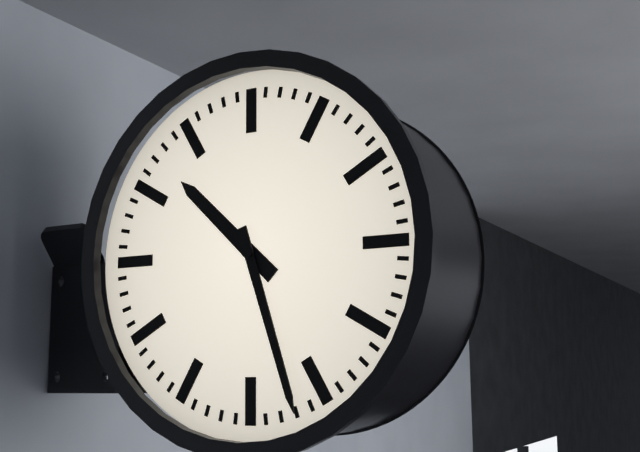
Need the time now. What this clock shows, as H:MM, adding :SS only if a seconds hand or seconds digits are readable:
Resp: 10:27
